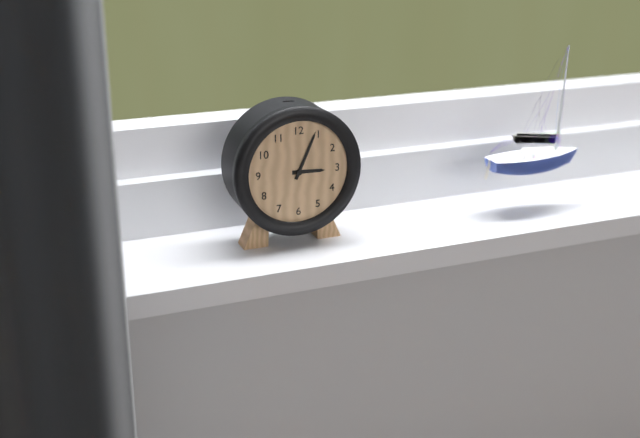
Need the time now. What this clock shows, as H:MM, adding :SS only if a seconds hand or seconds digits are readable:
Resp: 3:04
